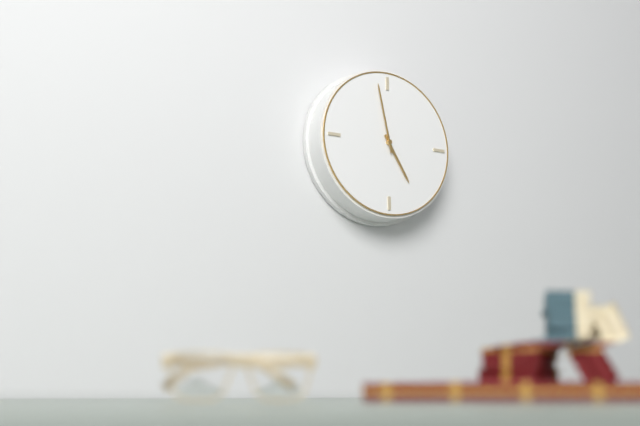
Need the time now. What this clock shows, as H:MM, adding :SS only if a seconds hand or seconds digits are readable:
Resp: 4:58
